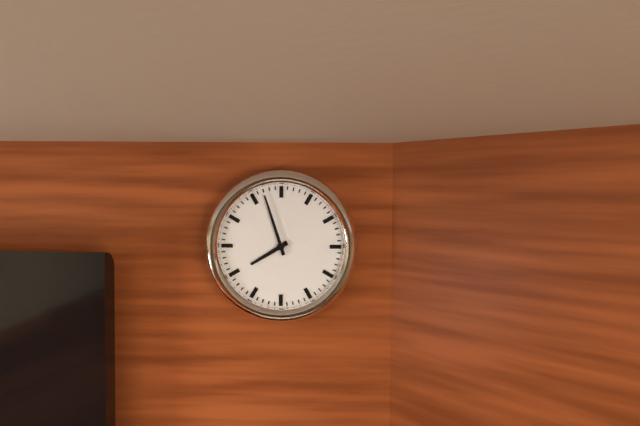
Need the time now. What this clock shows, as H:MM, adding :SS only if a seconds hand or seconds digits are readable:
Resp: 7:57
